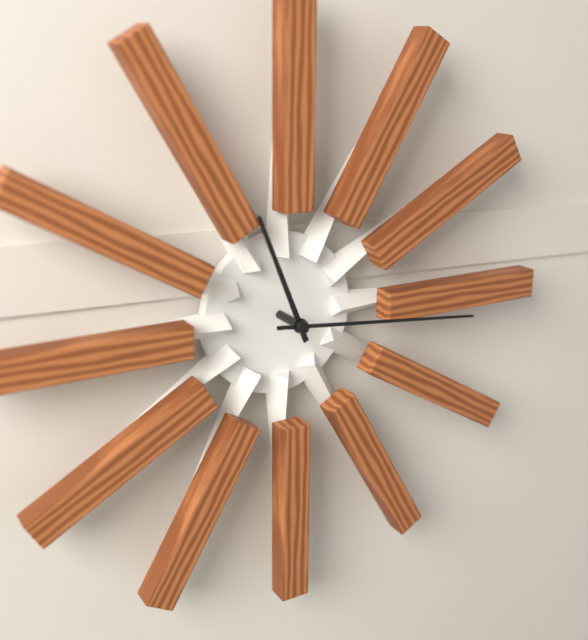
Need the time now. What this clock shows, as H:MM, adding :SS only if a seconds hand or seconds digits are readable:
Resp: 11:16
